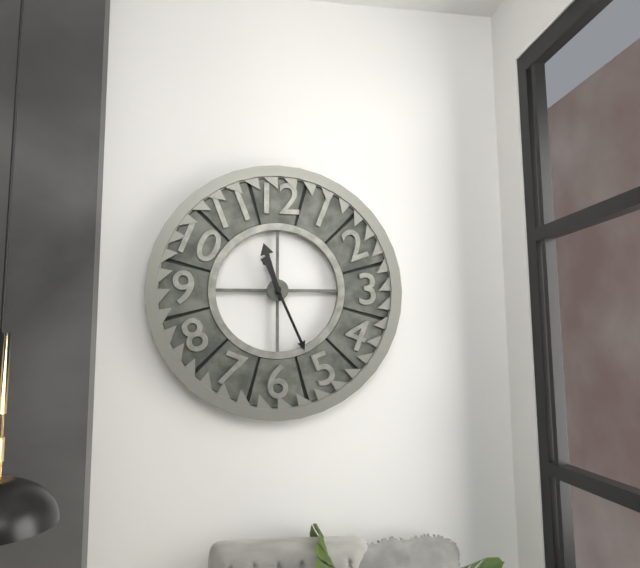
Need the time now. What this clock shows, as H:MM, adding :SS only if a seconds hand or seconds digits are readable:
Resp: 11:26
